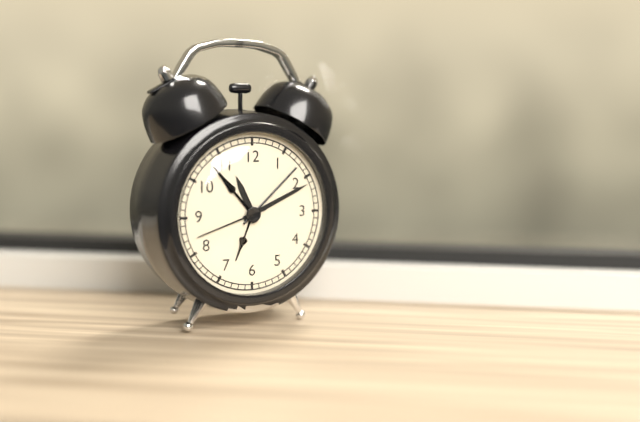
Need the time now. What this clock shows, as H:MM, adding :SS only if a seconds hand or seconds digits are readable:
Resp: 11:11:42
